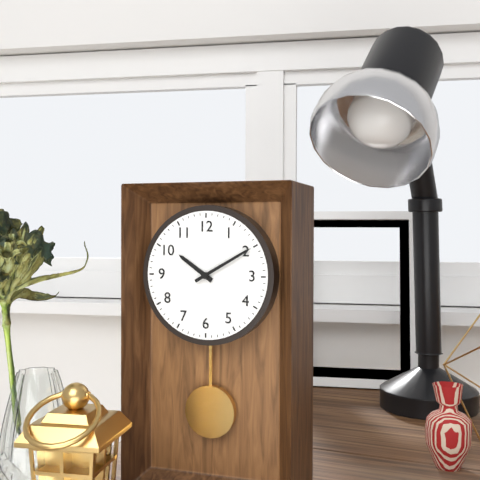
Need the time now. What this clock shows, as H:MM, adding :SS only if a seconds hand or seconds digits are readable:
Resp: 10:10
